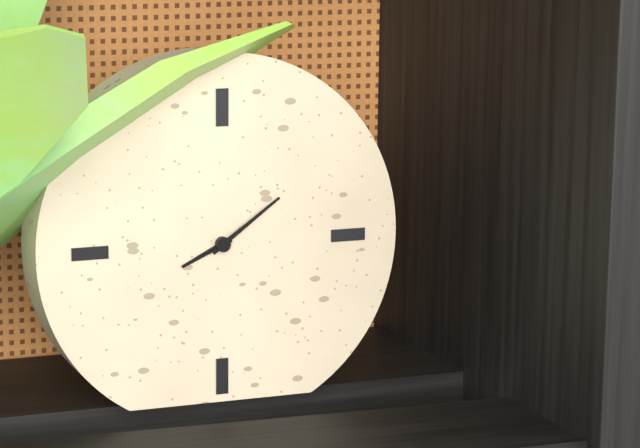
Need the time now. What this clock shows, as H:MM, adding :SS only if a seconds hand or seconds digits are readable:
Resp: 8:09
